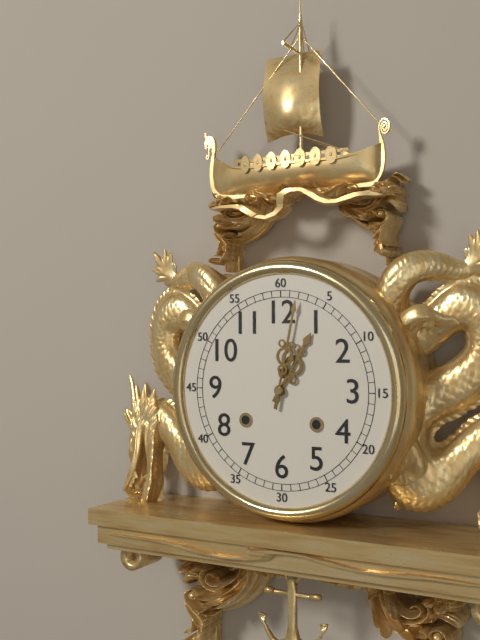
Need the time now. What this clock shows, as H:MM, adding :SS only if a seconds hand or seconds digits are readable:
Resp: 1:02
